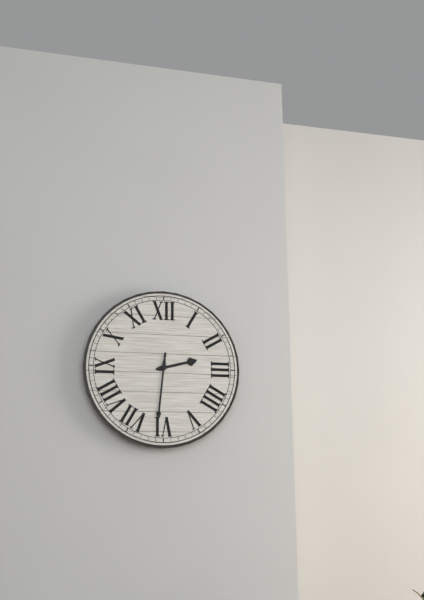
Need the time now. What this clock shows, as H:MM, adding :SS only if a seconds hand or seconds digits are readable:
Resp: 2:31:31
